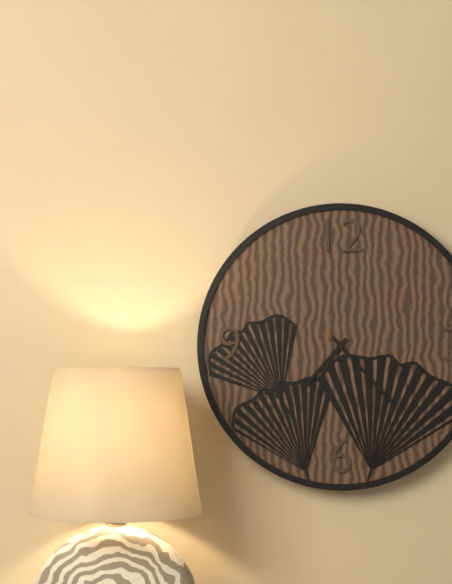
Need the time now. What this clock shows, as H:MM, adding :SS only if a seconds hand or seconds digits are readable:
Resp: 7:23
